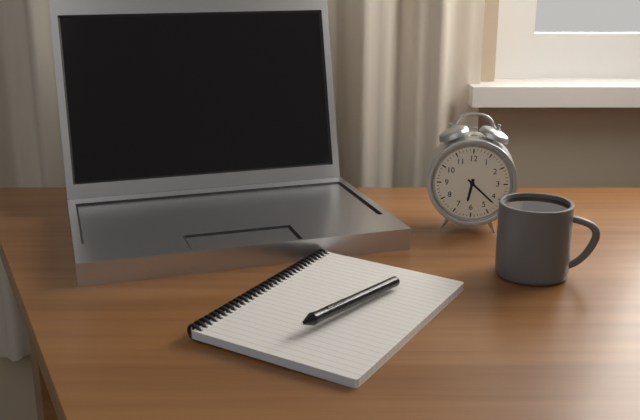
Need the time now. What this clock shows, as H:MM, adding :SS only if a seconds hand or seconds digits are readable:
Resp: 6:22
